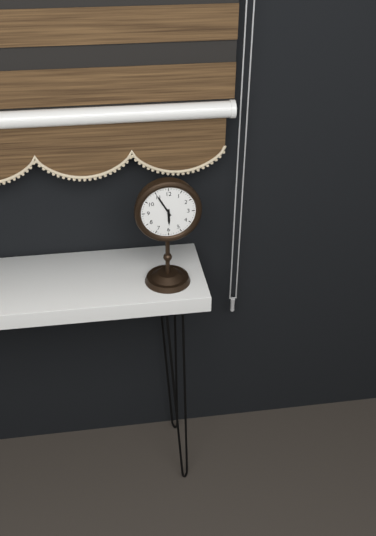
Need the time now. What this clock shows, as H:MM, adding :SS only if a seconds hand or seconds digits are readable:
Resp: 5:55
